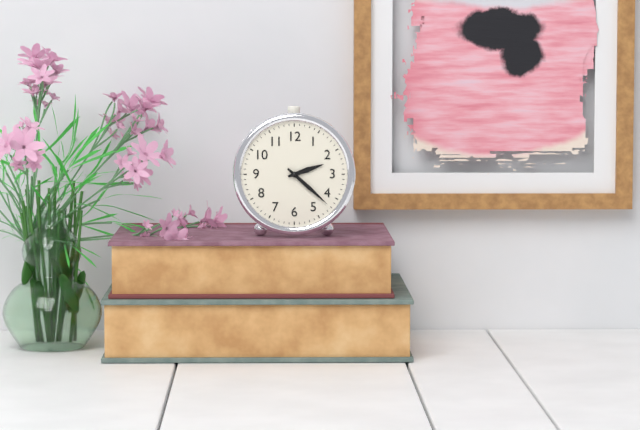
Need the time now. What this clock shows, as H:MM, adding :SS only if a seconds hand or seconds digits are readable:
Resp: 2:22
